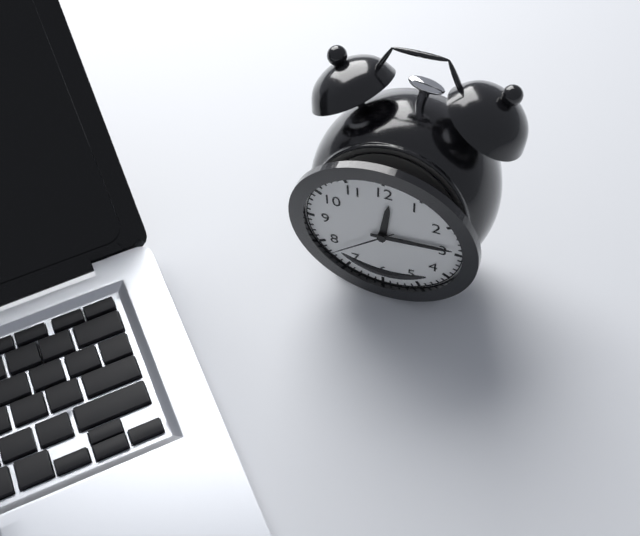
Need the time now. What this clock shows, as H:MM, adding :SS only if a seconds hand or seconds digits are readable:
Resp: 12:14:38
